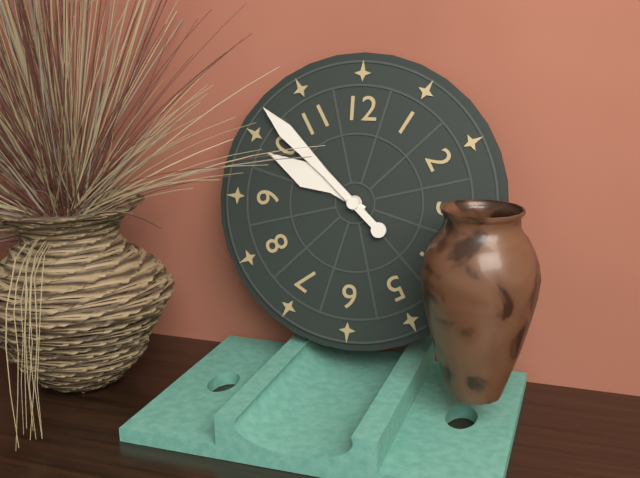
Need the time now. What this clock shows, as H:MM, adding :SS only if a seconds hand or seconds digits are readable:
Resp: 9:52
